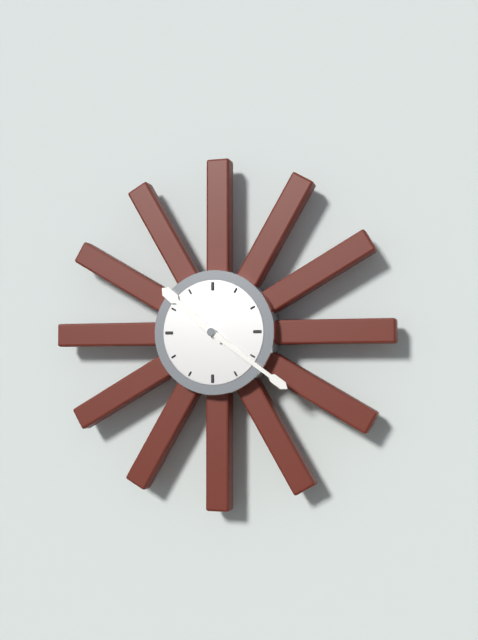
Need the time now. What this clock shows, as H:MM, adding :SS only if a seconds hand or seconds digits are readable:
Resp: 10:21
